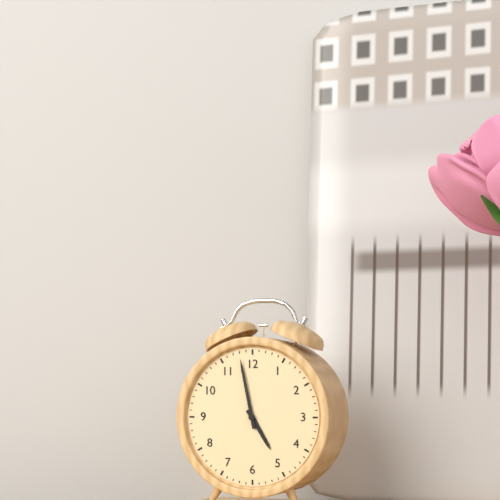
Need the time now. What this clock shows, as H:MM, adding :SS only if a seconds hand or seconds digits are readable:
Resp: 4:58
